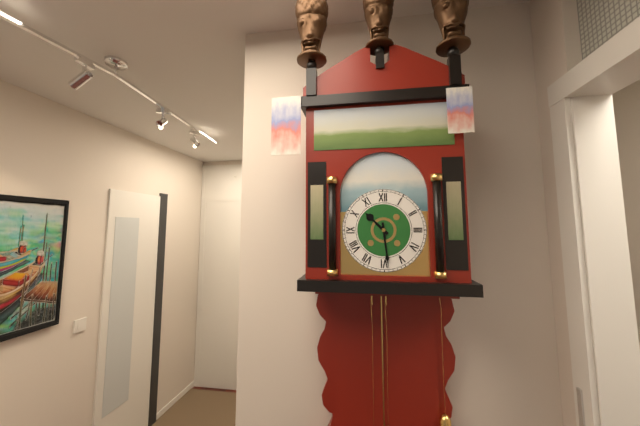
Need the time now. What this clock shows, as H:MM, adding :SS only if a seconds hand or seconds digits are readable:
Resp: 10:29
